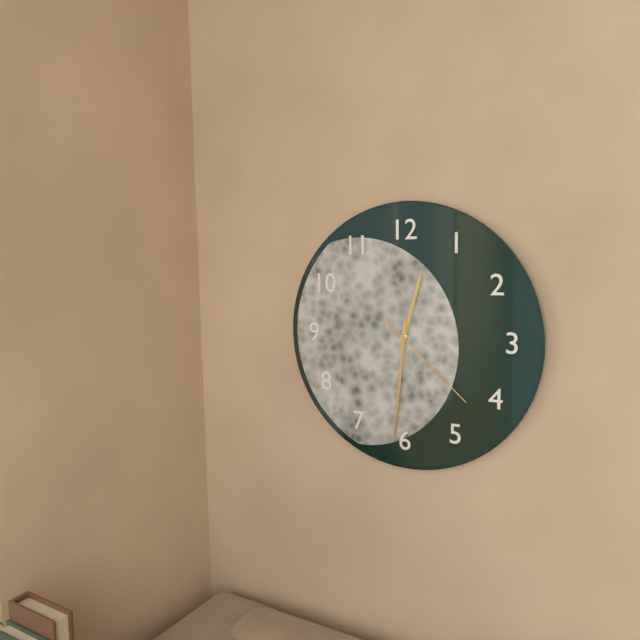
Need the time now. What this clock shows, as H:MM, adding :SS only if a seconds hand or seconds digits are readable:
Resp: 12:31:22
